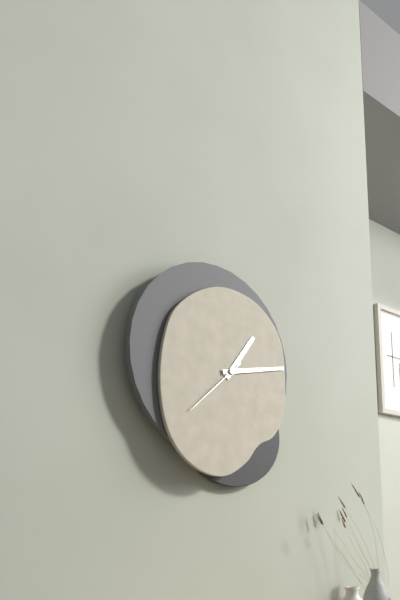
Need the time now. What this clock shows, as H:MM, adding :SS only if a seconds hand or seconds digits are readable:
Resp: 1:13:38
